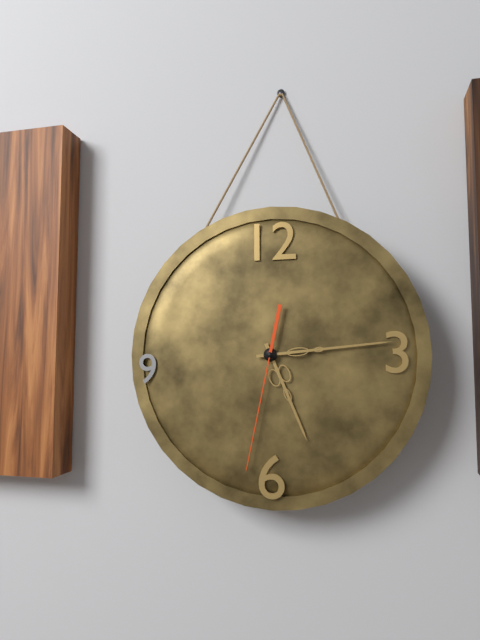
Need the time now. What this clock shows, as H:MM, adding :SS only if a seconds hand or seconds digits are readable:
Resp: 5:14:32
